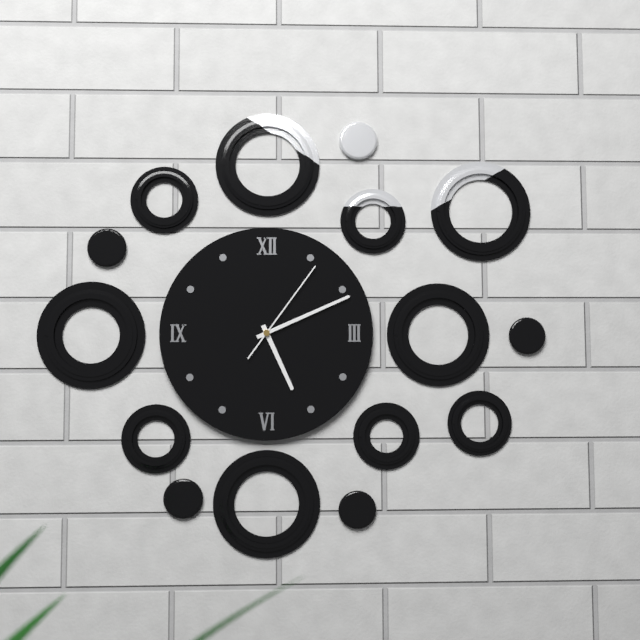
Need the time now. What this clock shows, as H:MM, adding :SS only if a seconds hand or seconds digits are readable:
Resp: 5:11:06
